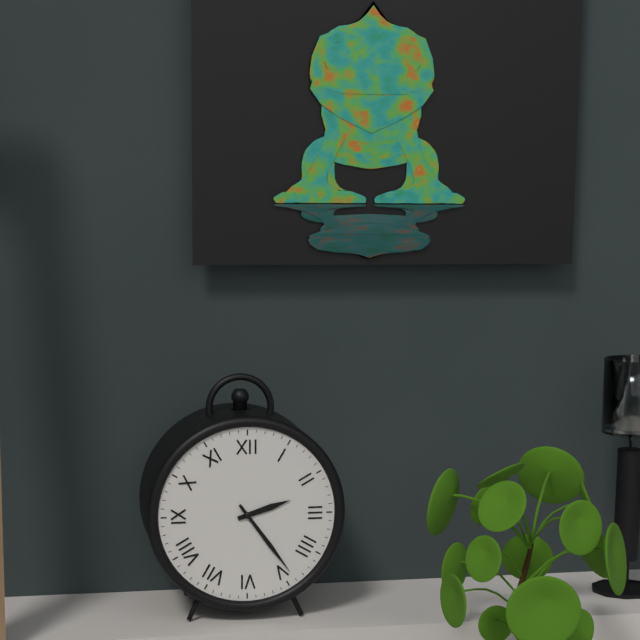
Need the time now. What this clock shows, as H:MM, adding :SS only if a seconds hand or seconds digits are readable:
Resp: 2:24
